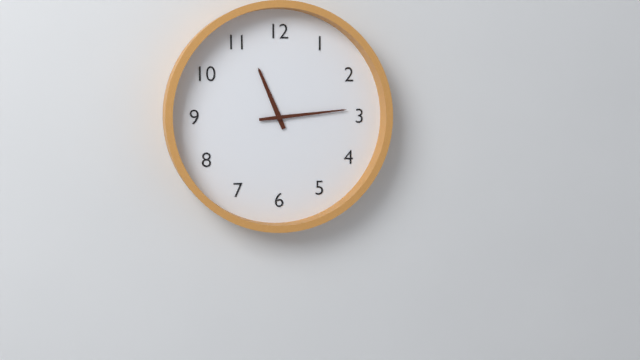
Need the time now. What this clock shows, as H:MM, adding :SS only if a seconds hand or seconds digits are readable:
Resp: 11:14
